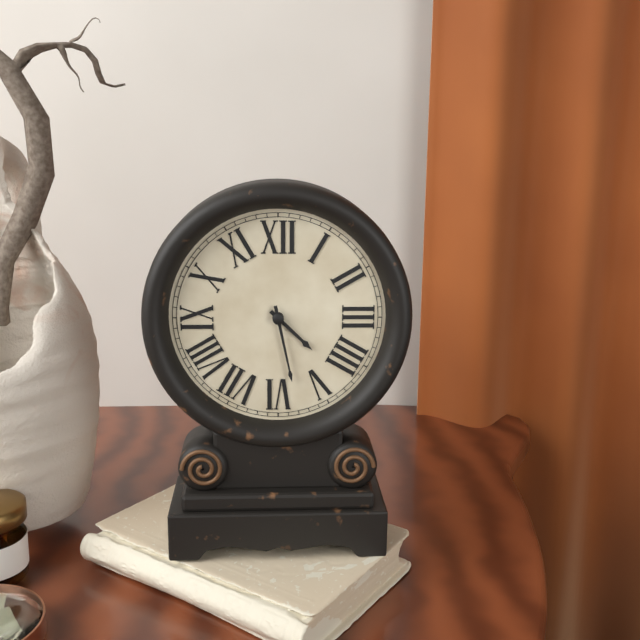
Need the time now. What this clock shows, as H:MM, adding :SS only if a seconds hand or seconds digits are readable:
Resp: 4:28
